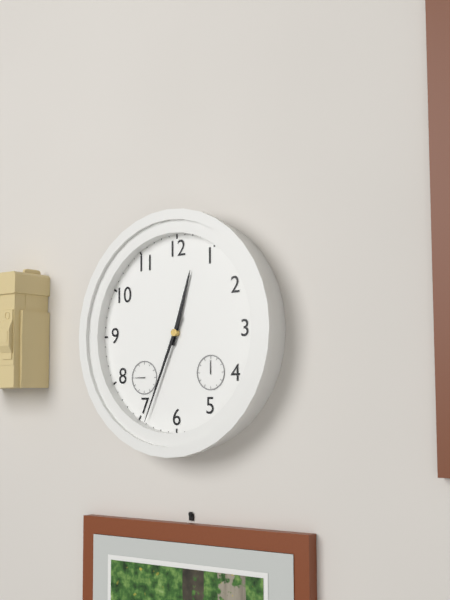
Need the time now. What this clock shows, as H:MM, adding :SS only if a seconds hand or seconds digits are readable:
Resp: 12:34
